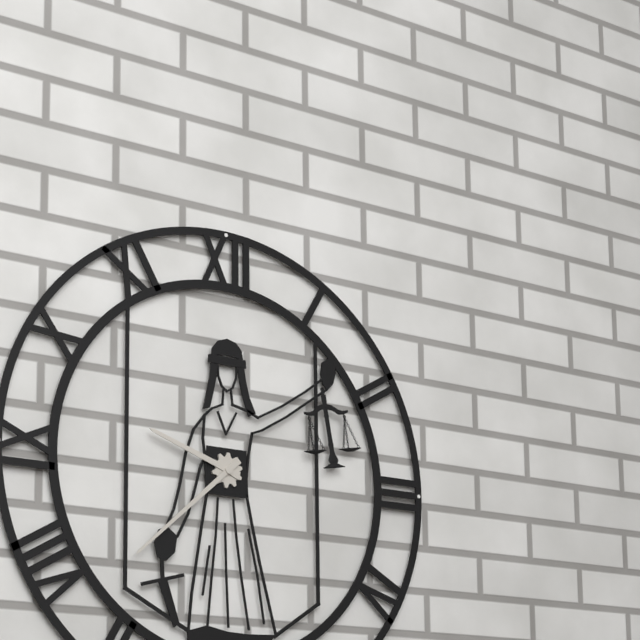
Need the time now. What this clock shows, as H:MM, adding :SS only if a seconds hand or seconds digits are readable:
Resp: 9:38
